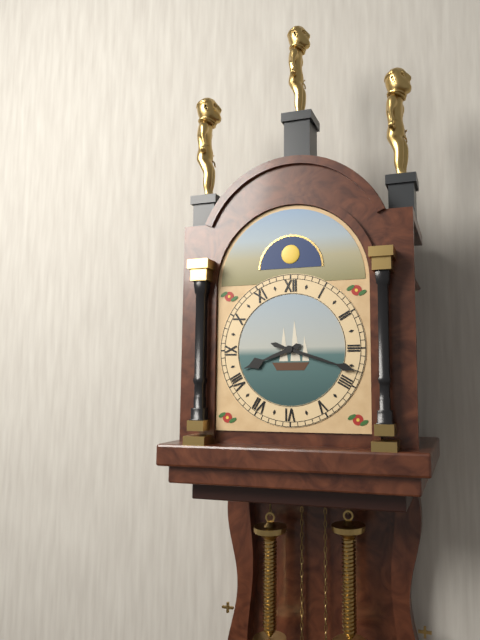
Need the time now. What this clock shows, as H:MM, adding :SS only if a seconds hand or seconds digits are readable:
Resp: 8:18
